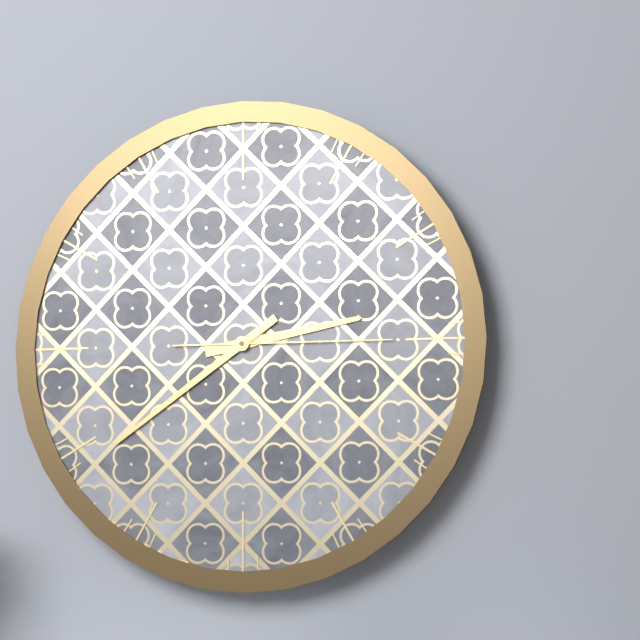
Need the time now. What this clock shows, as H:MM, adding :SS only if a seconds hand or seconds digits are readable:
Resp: 2:39:15
